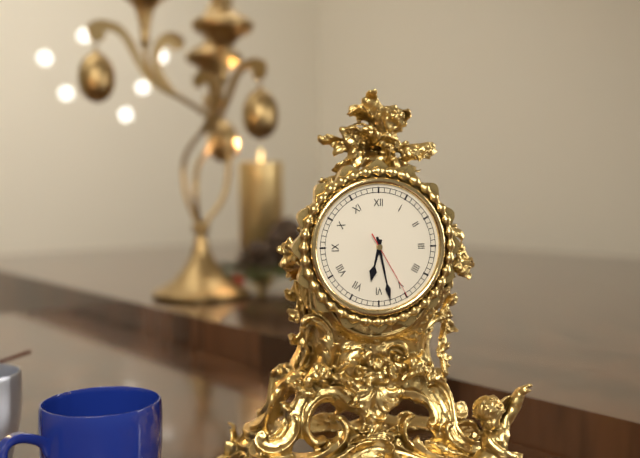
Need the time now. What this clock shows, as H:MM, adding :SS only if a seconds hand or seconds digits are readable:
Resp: 6:28:25
